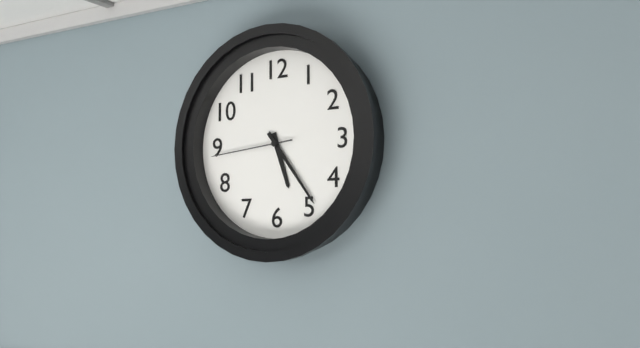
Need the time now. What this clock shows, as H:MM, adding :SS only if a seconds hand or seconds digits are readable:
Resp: 5:24:44
